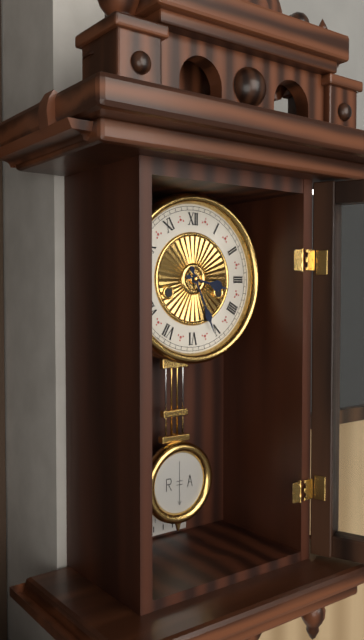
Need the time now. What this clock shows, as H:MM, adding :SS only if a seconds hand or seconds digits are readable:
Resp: 3:26
